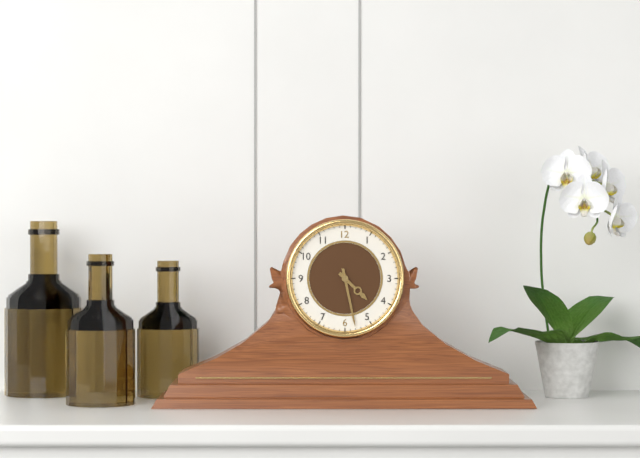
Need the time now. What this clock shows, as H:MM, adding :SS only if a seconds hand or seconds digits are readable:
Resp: 4:28
